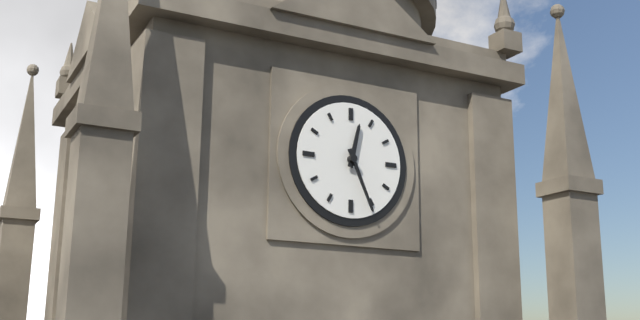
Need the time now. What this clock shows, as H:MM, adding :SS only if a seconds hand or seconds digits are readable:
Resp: 12:26
